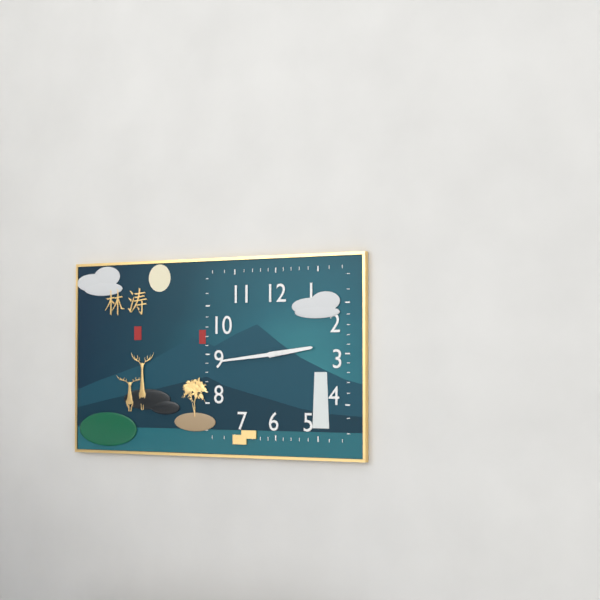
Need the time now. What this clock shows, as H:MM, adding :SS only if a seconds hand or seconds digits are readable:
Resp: 2:44
